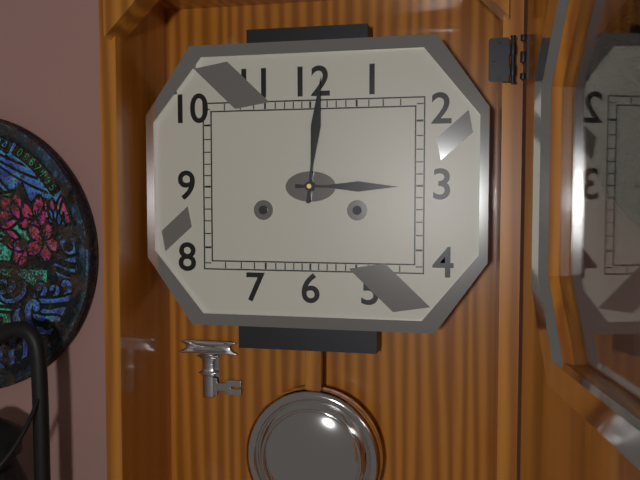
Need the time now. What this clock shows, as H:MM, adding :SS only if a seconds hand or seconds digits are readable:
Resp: 3:01
